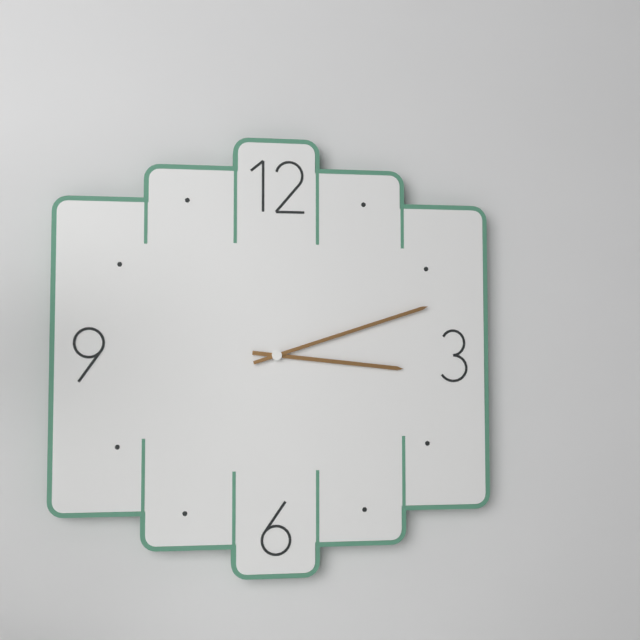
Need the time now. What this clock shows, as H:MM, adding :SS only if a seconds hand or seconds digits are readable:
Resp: 3:12
